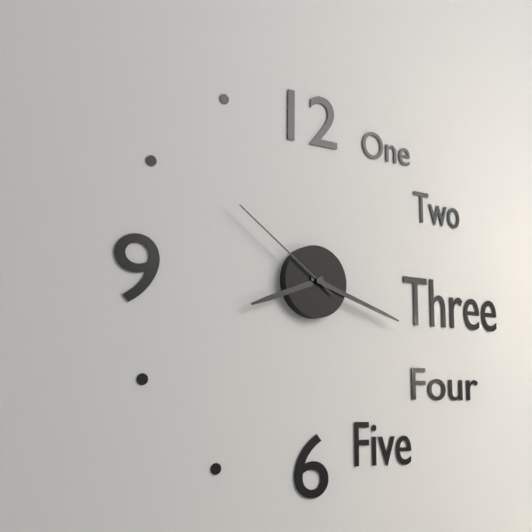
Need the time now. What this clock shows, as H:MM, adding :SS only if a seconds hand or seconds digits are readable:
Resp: 8:18:51
